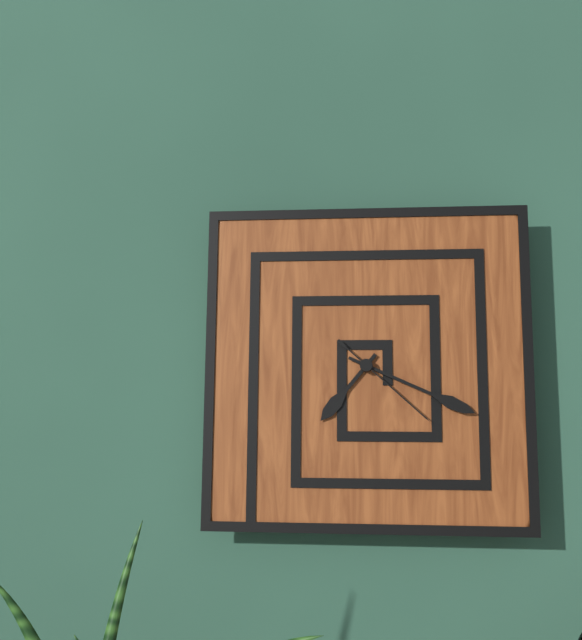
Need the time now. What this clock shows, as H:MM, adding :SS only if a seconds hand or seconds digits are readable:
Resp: 7:19:22
